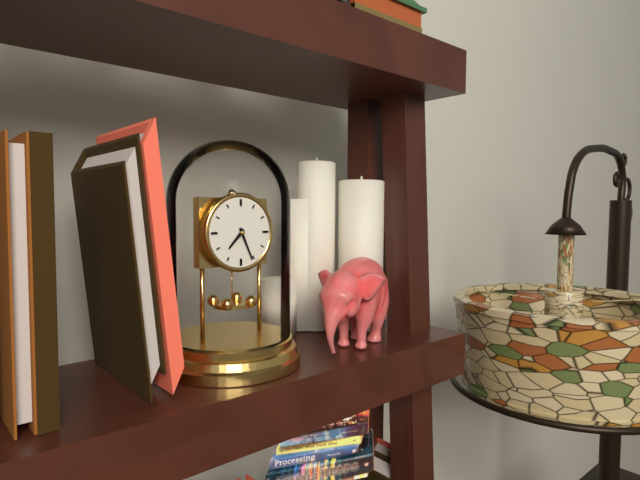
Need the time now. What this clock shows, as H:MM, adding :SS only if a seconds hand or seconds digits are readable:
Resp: 7:26
